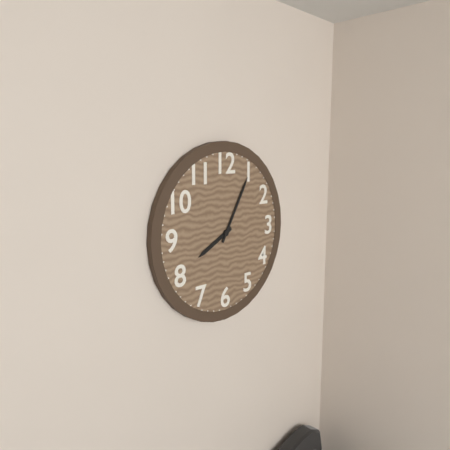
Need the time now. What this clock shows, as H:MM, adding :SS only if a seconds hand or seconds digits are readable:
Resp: 8:05
